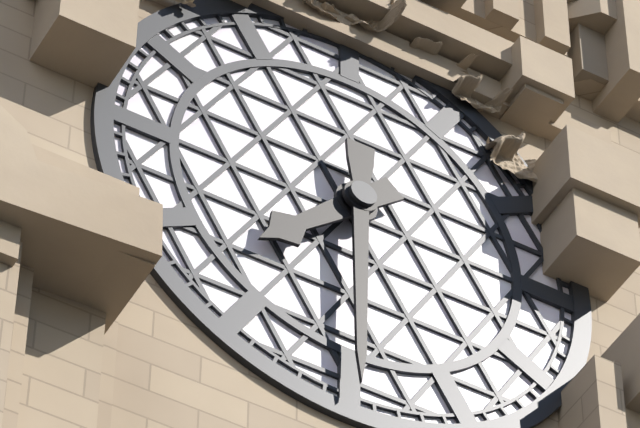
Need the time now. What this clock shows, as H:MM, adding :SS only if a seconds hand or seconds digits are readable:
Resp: 7:30
